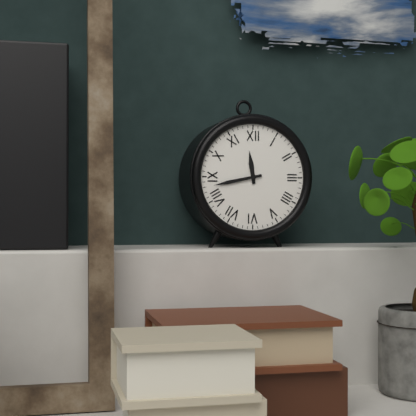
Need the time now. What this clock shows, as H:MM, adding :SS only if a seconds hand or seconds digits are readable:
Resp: 11:43
